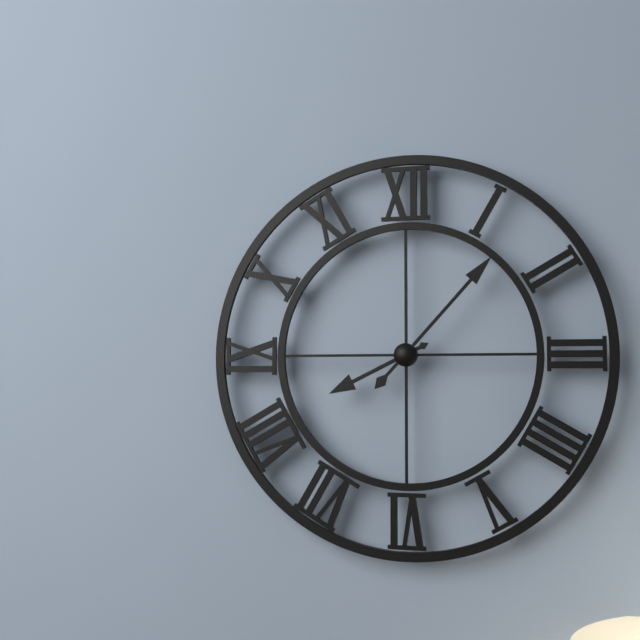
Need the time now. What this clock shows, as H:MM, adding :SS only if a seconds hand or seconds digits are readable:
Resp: 8:07
